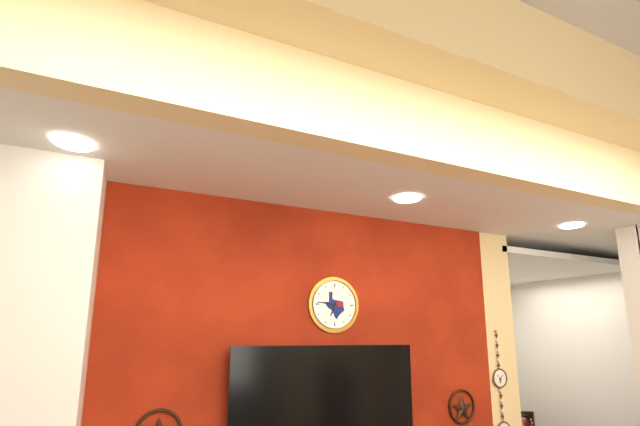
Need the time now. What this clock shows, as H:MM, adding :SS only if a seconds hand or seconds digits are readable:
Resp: 6:46
